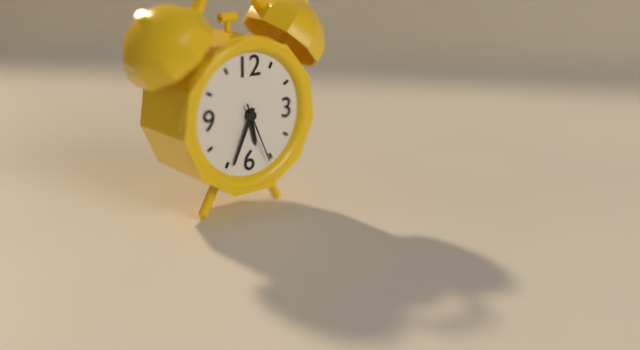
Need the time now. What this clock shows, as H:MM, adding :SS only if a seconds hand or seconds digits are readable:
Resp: 5:34:26
